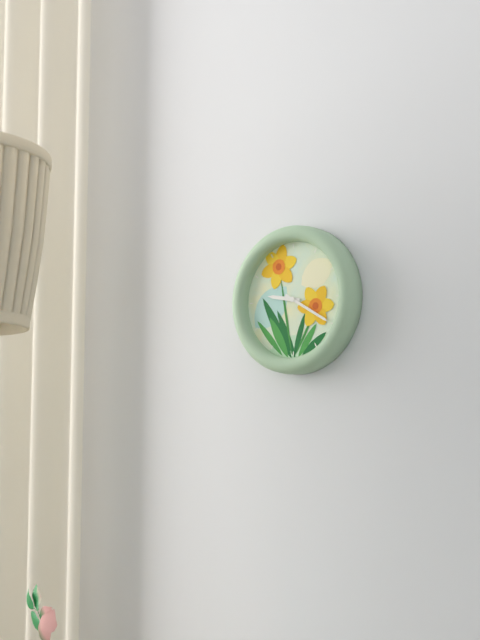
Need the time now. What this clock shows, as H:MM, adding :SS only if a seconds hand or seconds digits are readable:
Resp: 9:20
